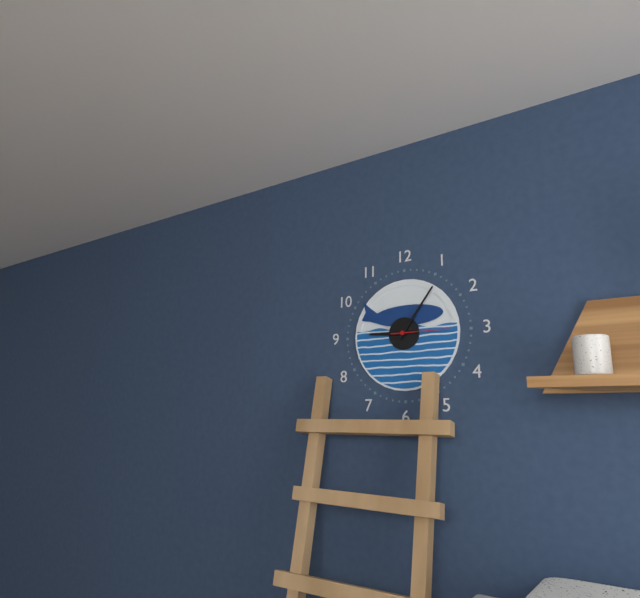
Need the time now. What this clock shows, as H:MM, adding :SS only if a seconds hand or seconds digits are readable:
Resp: 9:06:15
